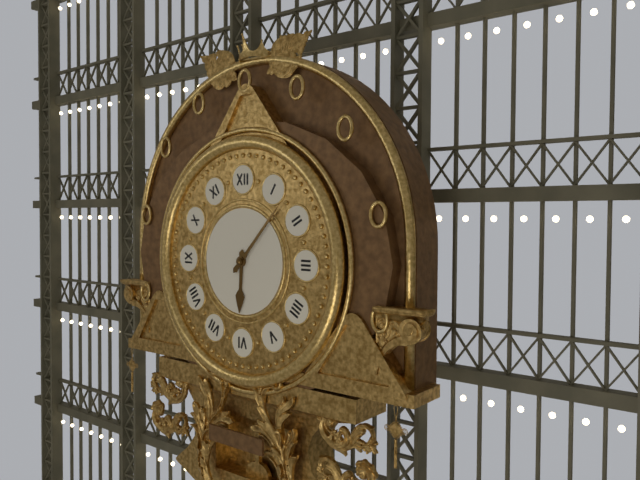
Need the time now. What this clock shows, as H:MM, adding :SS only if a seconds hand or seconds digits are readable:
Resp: 6:07
